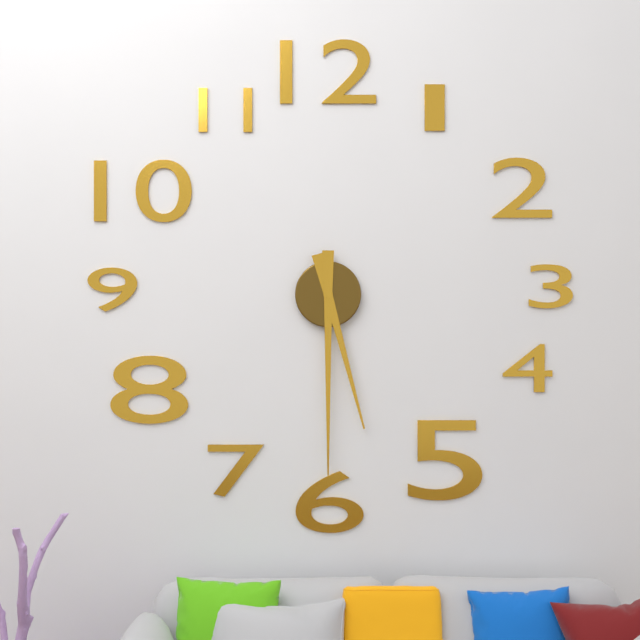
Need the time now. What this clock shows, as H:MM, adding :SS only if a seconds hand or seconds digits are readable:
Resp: 5:30
